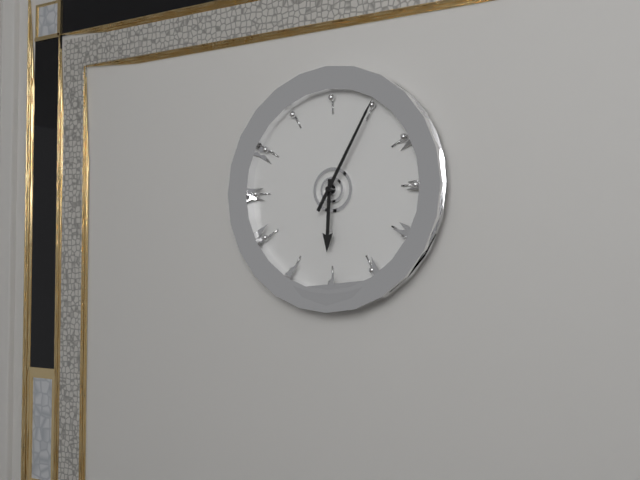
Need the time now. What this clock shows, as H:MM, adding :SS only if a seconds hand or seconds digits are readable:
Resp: 6:05
